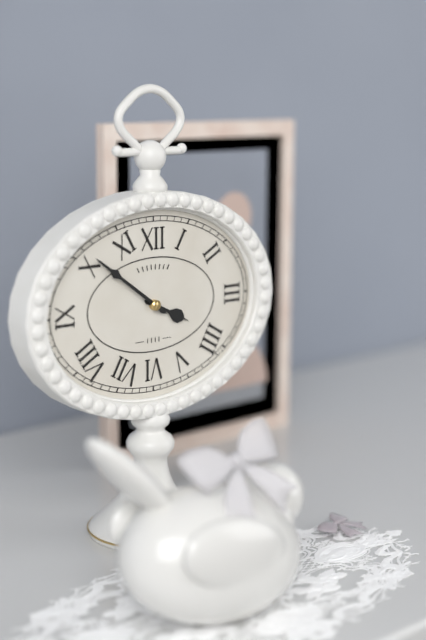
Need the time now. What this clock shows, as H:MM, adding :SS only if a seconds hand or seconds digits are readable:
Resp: 3:51
